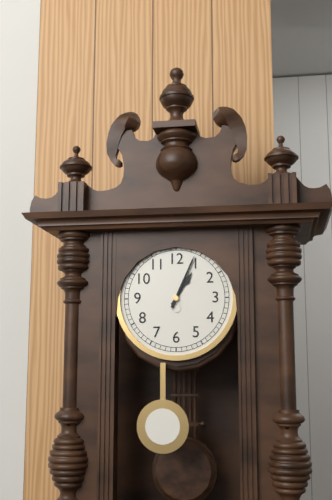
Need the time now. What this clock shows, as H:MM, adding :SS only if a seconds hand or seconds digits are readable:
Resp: 1:04
